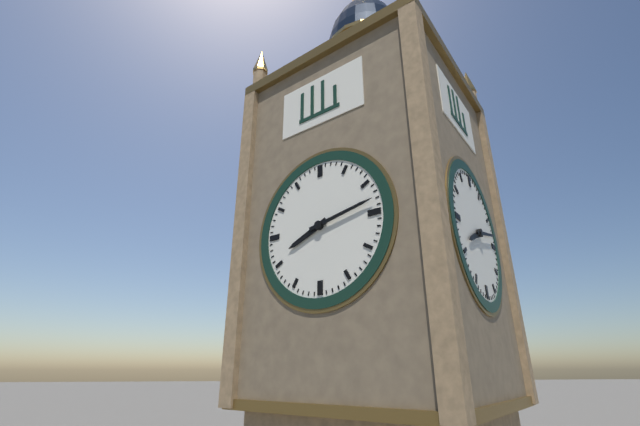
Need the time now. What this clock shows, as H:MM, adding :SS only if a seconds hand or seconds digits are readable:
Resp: 8:13
